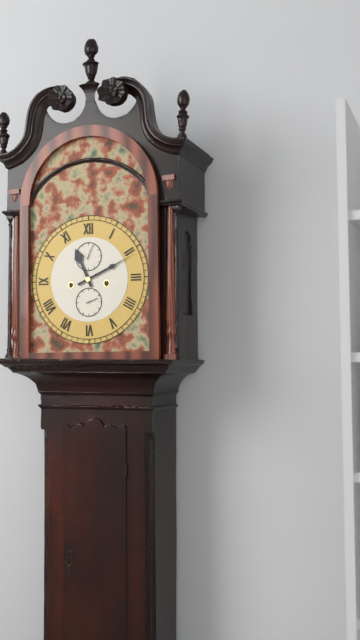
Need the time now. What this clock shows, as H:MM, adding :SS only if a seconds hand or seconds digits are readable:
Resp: 11:11
